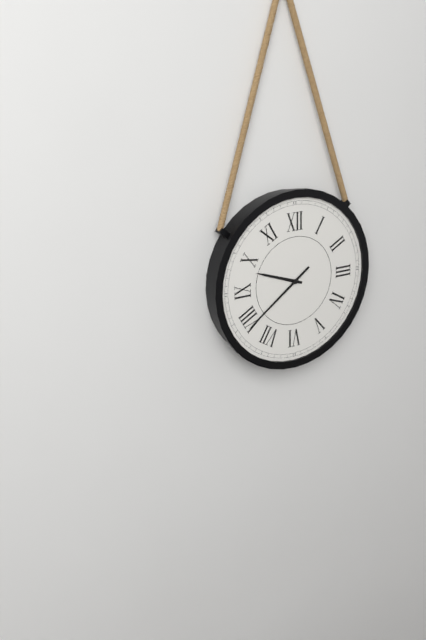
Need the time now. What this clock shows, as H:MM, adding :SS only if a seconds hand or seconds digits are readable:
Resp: 9:39
